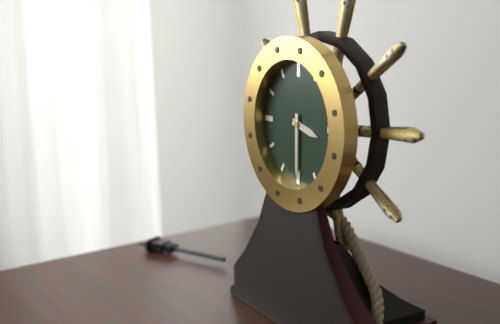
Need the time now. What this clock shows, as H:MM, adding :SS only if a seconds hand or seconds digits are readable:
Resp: 3:30
